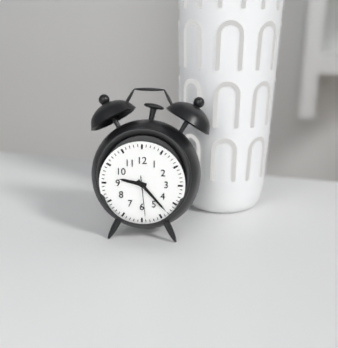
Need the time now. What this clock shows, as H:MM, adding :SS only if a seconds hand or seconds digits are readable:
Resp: 9:23
